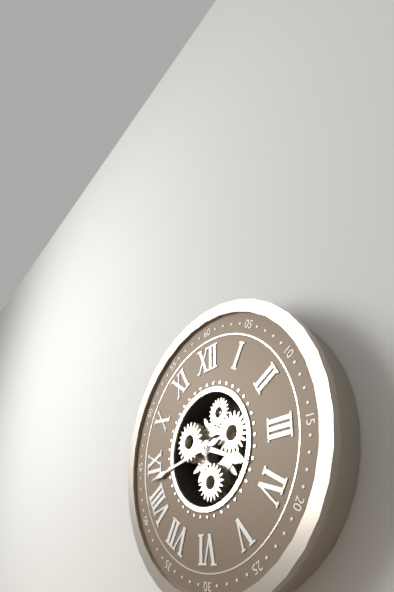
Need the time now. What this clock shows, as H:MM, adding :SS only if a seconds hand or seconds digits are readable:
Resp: 3:43
